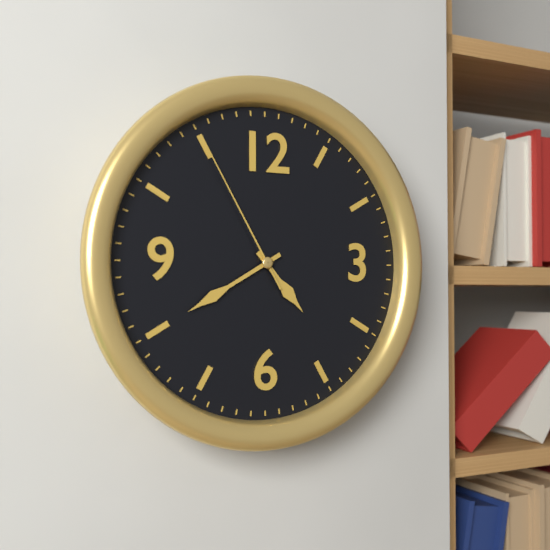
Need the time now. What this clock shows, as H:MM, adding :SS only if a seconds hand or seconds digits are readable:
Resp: 4:40:55
